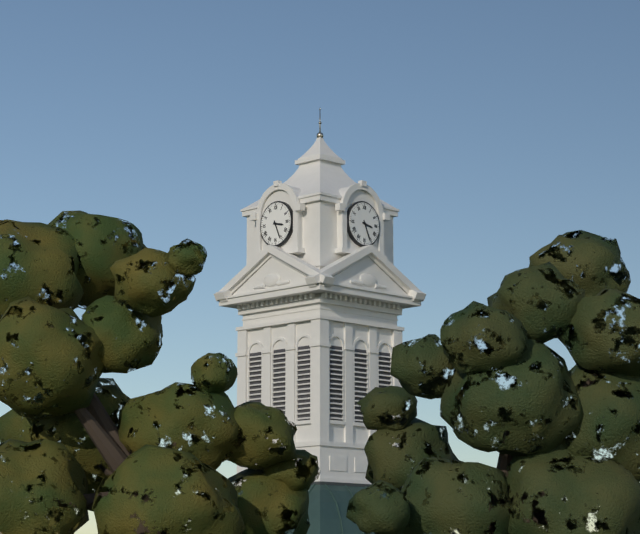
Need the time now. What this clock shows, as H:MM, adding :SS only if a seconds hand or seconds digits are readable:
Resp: 3:26
